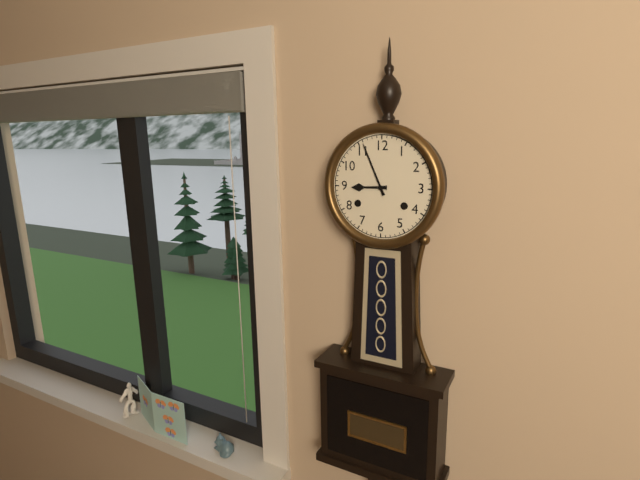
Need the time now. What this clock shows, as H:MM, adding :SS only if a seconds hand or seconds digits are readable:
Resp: 8:56
